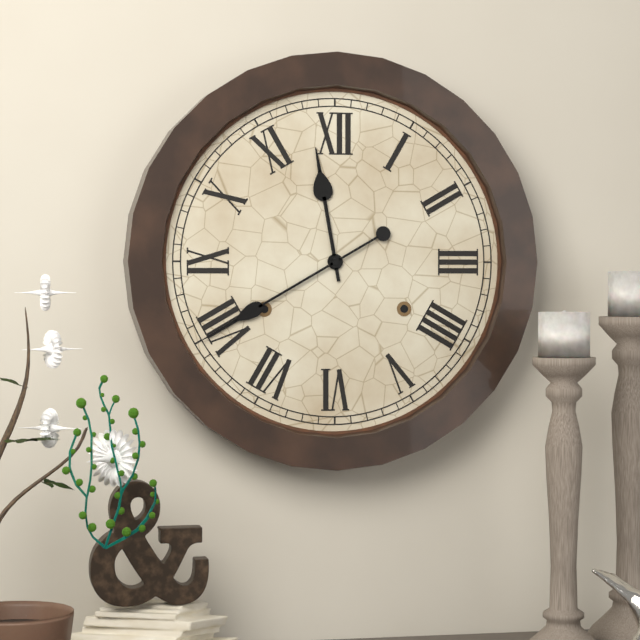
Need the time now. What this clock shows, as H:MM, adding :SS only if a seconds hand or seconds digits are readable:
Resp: 11:40
